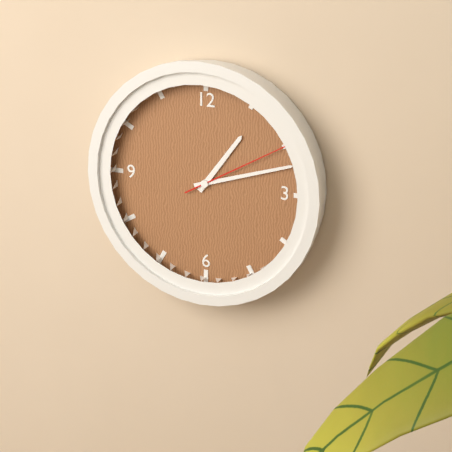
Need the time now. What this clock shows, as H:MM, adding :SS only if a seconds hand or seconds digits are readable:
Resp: 1:12:10
